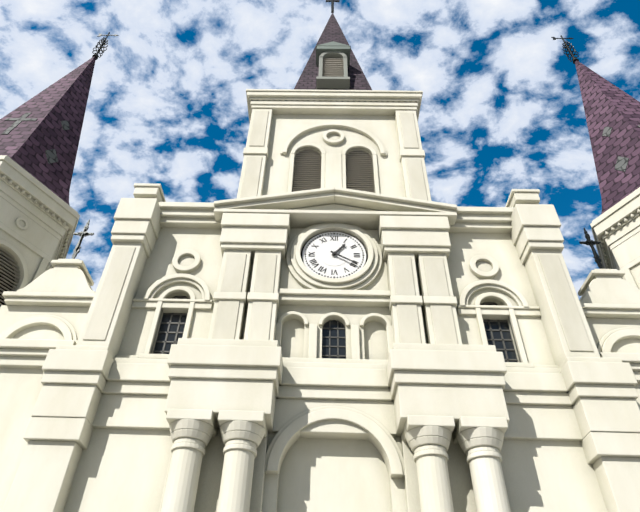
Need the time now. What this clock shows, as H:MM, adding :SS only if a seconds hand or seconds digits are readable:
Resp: 1:20
